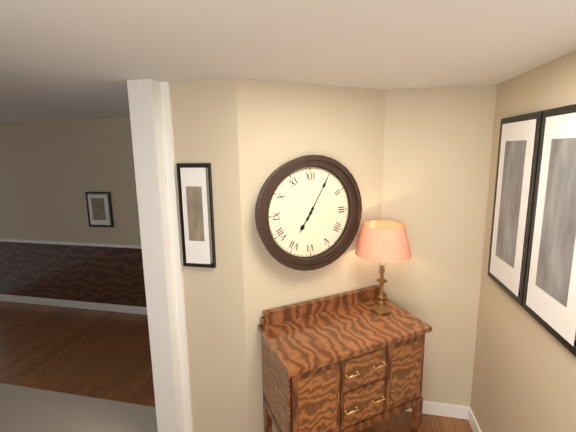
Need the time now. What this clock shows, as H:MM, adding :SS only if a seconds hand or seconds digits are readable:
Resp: 7:05
